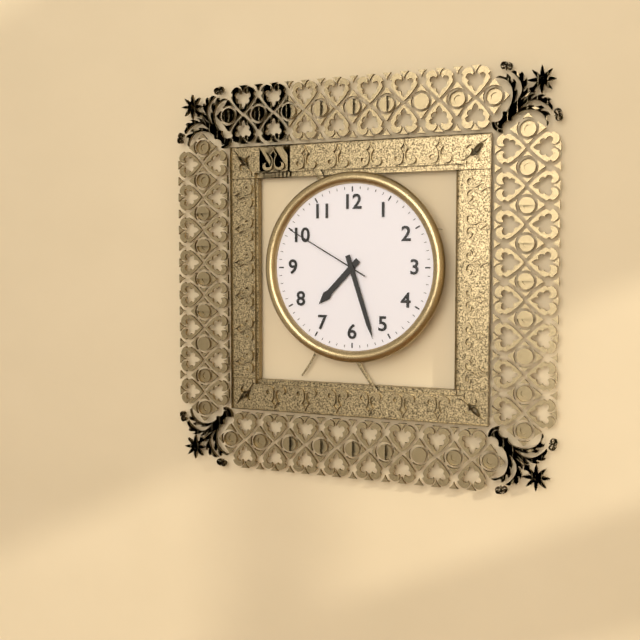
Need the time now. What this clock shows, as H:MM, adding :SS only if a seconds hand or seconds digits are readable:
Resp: 7:27:50
